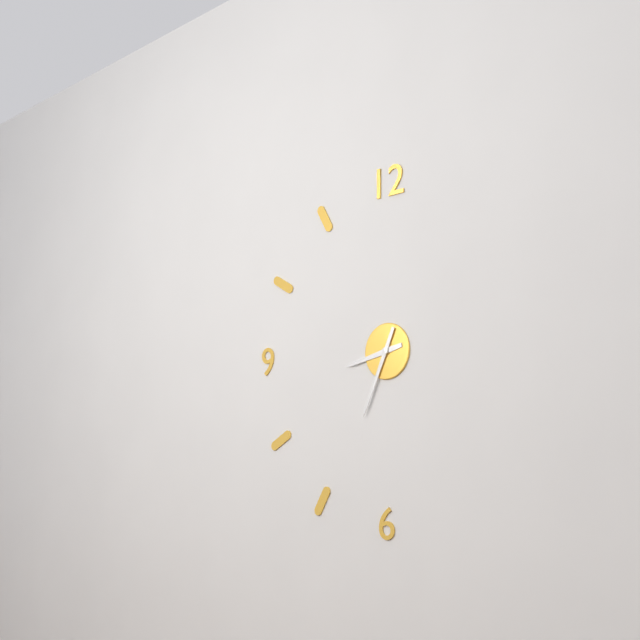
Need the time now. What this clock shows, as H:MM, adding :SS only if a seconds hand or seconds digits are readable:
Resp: 8:34
